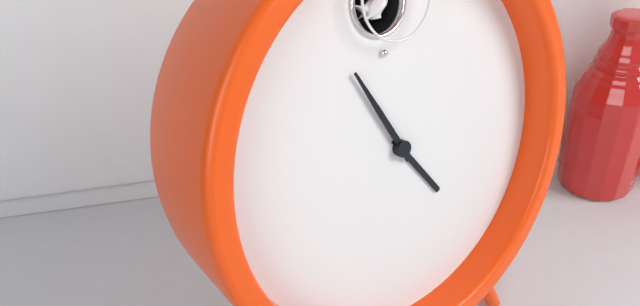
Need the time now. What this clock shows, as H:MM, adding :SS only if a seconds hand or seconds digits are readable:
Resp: 4:56
